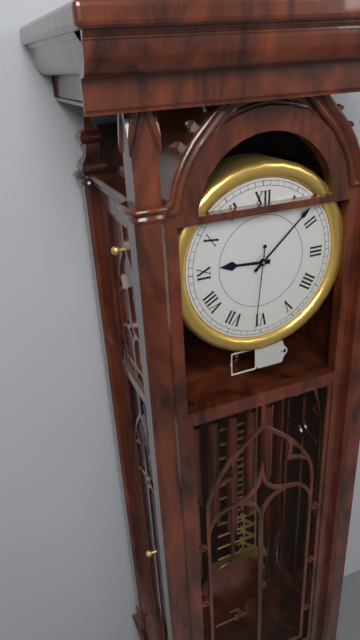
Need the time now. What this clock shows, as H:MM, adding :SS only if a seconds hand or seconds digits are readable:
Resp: 9:08:31
